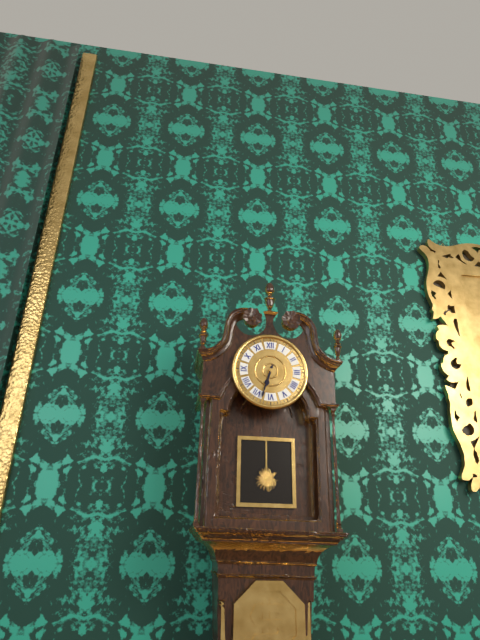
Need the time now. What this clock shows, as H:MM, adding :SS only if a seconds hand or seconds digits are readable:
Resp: 6:33
